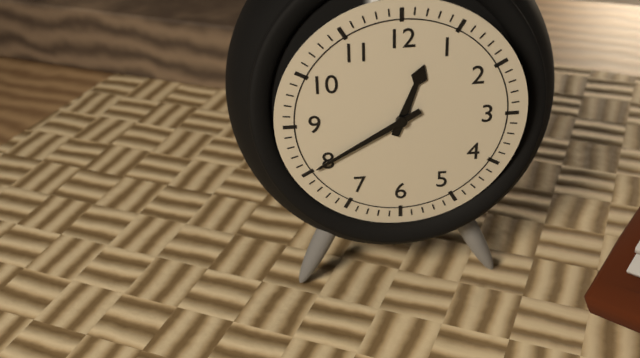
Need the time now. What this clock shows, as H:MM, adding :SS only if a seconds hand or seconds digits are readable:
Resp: 12:40
